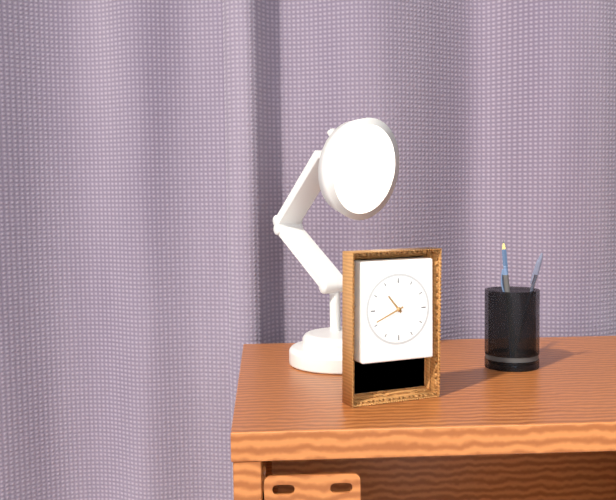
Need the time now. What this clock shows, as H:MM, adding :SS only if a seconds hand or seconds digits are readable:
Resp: 10:41
